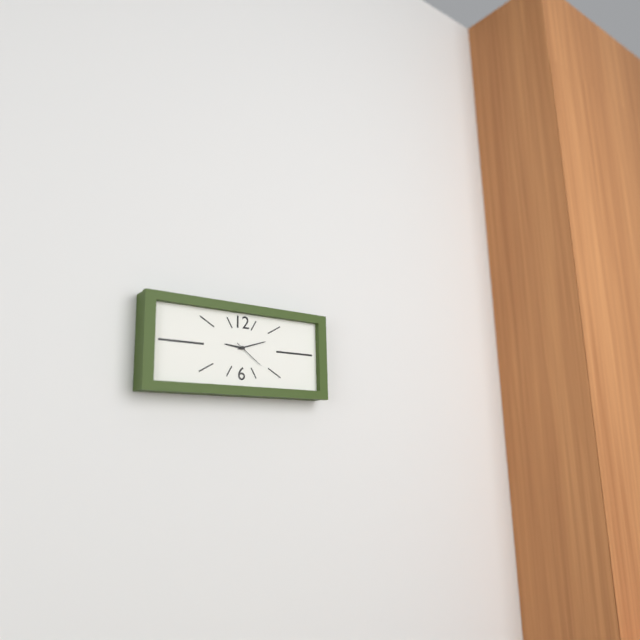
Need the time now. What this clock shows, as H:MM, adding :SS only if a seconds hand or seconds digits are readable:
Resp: 9:12
